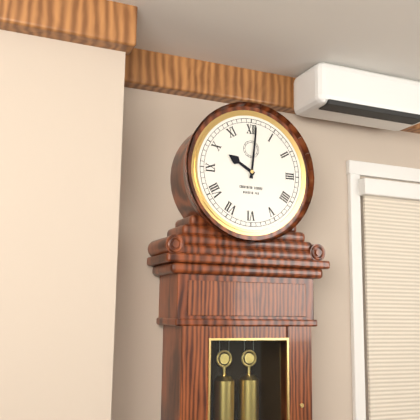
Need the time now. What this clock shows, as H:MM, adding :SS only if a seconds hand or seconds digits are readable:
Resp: 10:01
